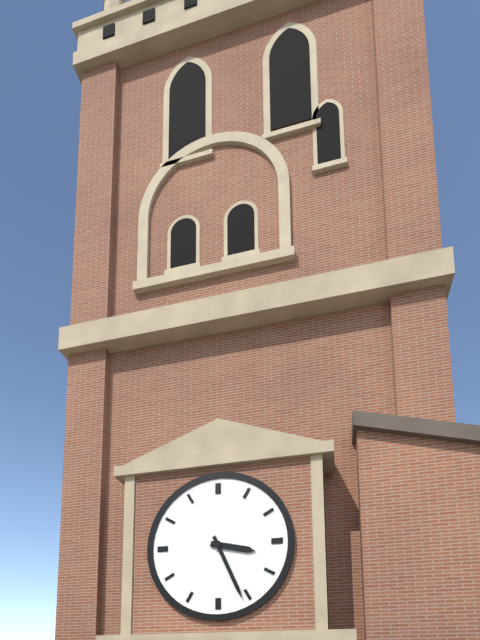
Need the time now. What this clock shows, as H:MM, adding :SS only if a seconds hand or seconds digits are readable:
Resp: 3:26
